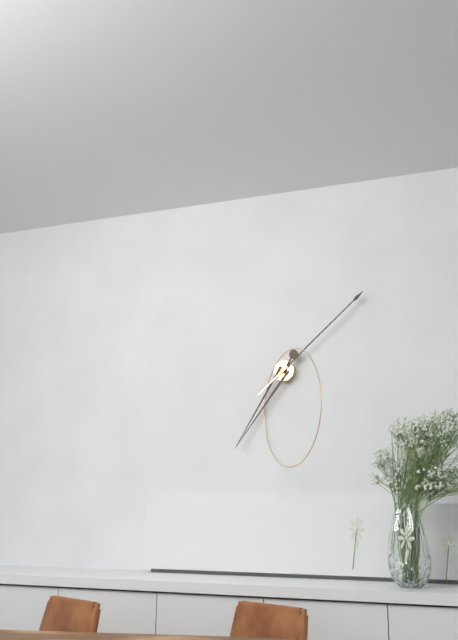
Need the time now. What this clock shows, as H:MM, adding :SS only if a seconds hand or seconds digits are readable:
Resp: 7:08
